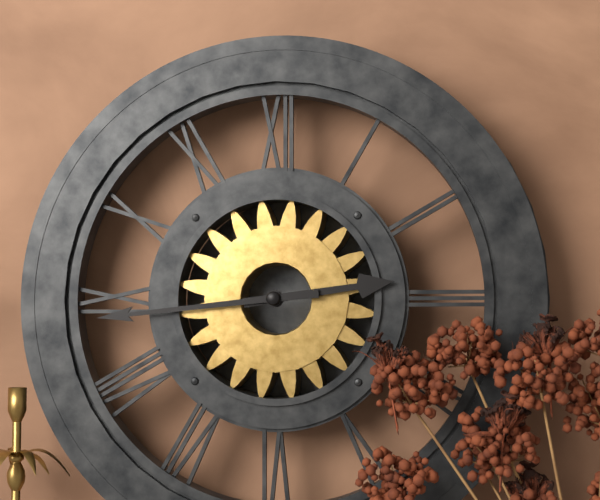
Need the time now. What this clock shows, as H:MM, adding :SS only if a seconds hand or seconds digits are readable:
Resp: 2:44
